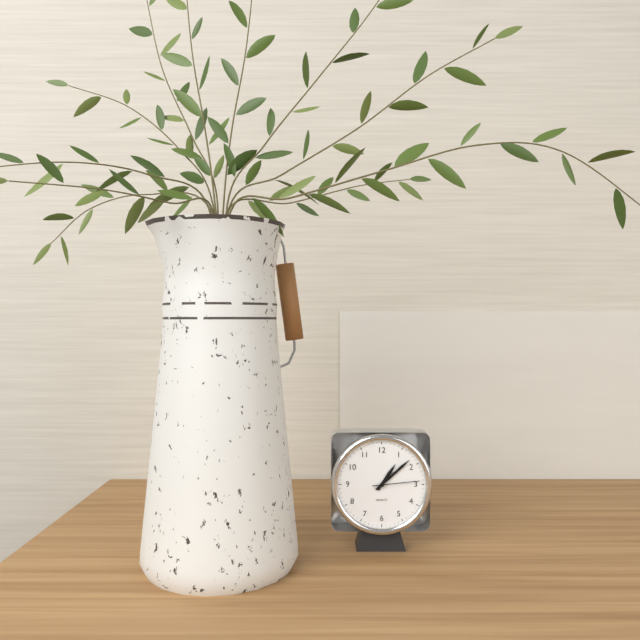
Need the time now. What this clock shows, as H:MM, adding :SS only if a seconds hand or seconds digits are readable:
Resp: 1:08
